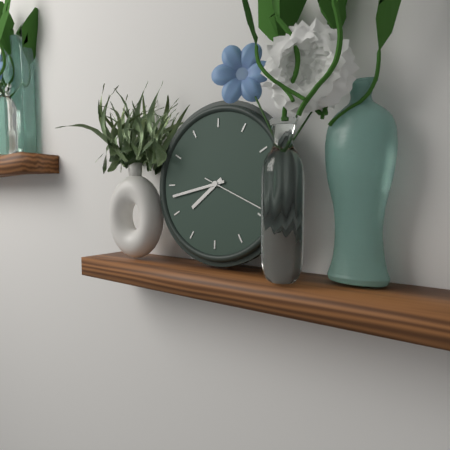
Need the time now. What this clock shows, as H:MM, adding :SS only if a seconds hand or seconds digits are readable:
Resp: 7:43:19
